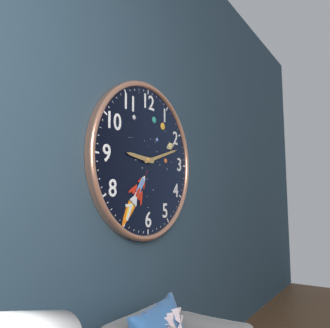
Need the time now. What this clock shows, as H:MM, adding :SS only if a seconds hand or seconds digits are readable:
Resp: 9:12
